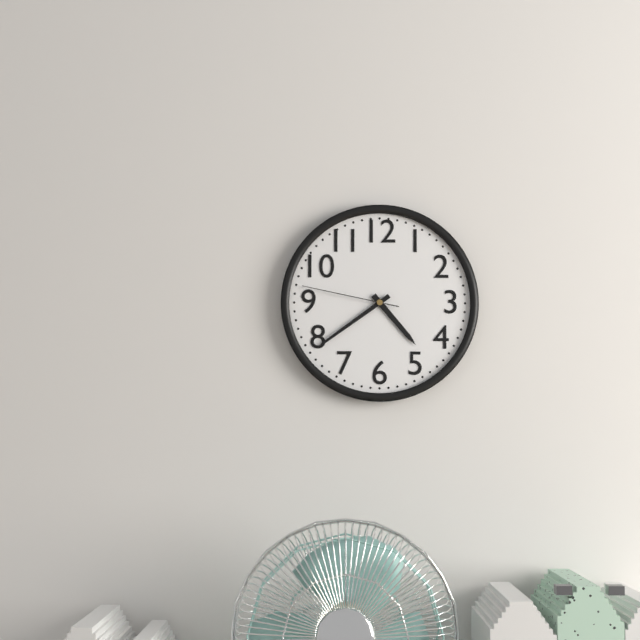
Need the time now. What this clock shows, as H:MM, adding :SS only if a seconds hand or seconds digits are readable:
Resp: 4:39:47
